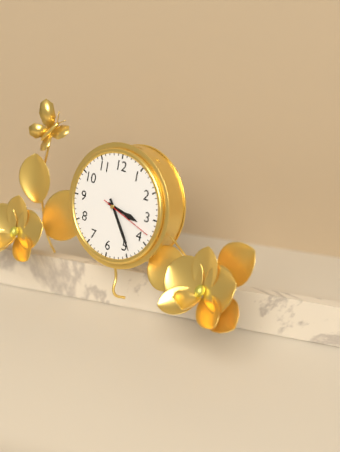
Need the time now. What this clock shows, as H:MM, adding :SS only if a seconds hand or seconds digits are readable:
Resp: 3:24:18
